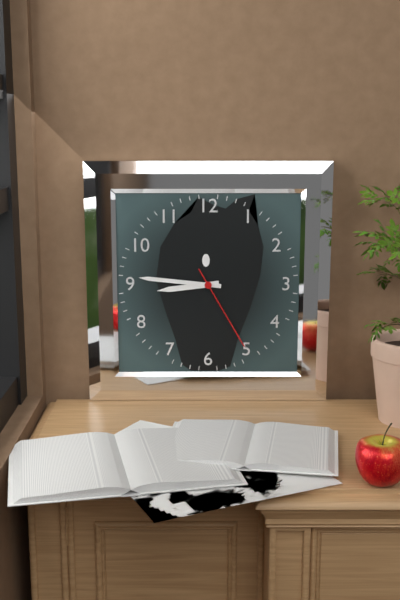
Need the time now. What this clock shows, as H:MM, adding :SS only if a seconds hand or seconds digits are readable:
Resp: 8:46:25
